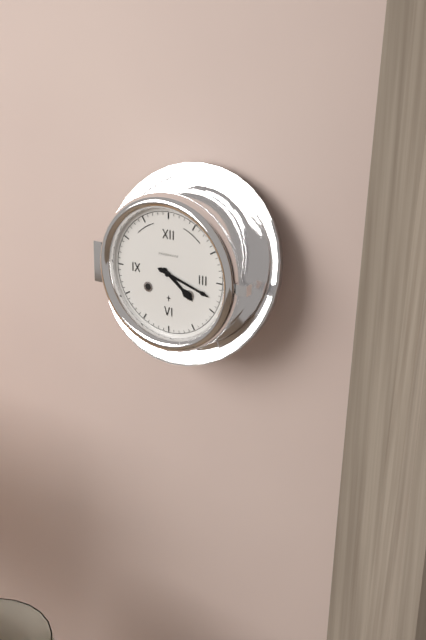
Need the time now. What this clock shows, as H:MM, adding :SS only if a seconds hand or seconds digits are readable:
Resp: 4:18
